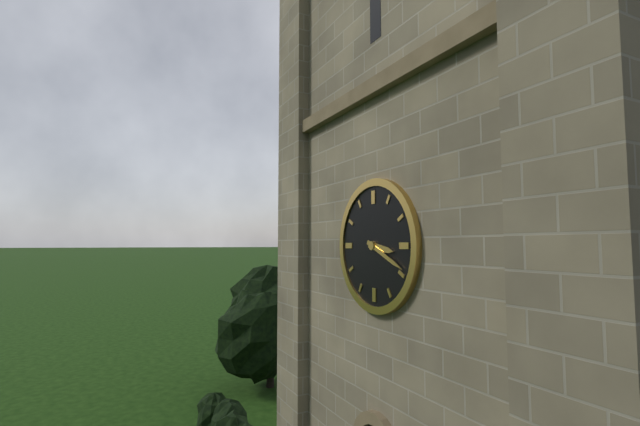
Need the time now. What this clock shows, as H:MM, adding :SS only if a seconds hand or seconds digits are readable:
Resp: 3:19
